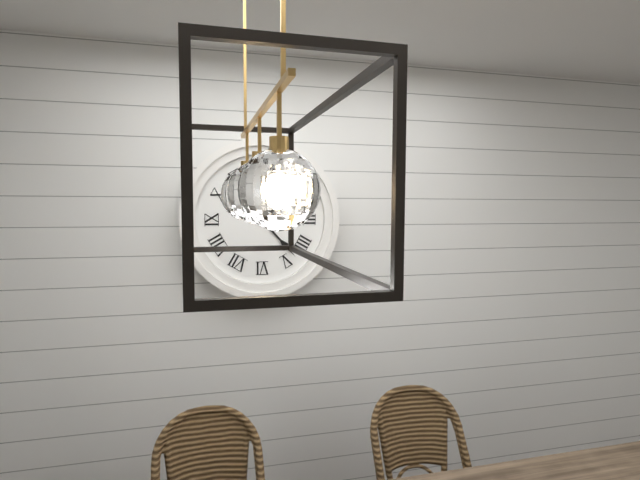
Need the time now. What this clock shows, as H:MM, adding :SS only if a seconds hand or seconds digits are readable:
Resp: 11:23
